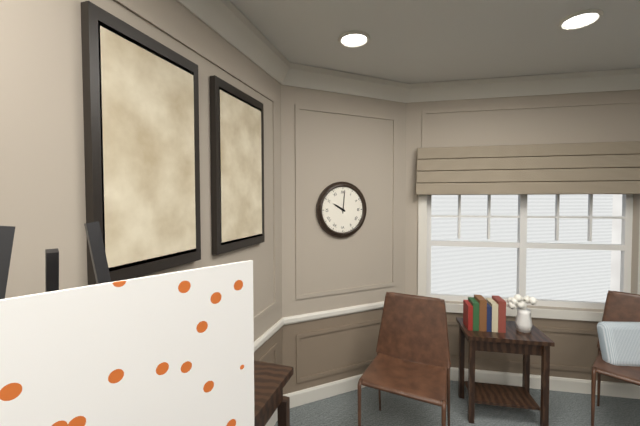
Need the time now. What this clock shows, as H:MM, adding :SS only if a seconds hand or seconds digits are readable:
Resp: 10:01
